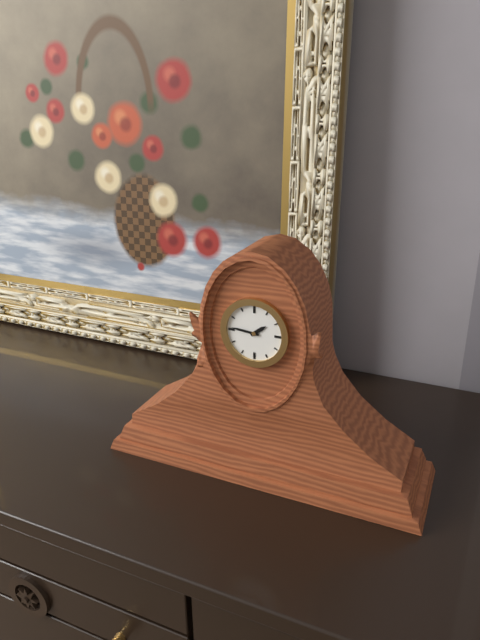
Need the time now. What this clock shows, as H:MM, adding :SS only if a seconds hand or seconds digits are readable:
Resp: 1:46
